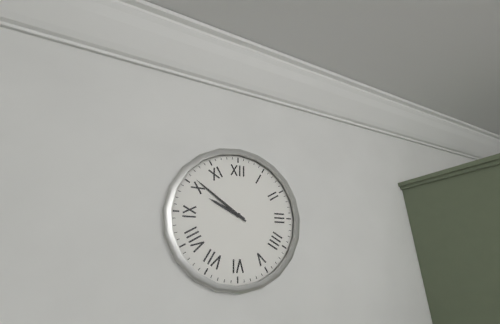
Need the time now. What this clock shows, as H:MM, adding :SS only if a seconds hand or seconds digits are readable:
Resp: 9:51
